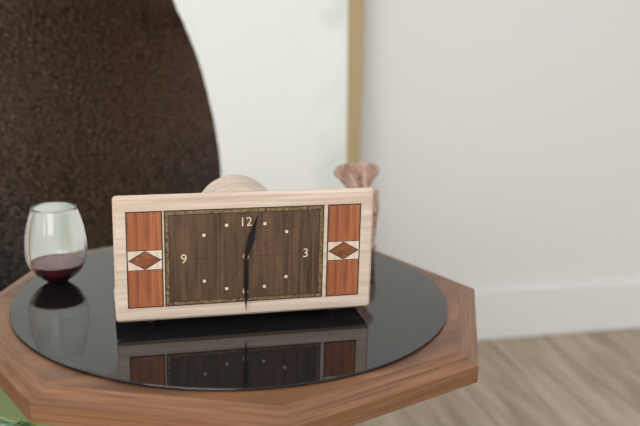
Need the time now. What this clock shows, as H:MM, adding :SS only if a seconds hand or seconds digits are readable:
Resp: 12:30
